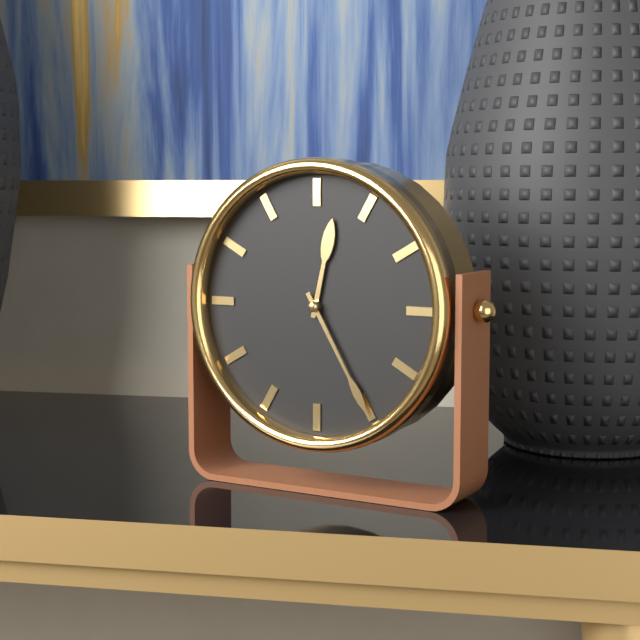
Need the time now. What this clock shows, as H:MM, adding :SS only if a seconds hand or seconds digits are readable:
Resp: 12:25
